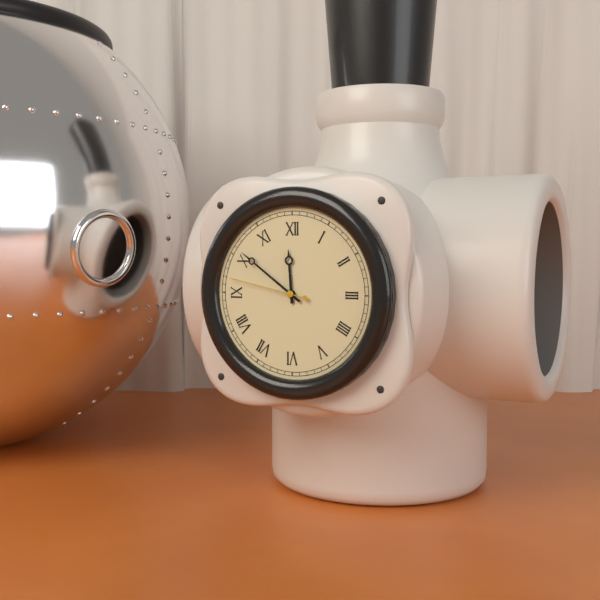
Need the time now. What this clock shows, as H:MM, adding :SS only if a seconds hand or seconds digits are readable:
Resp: 11:51:47
